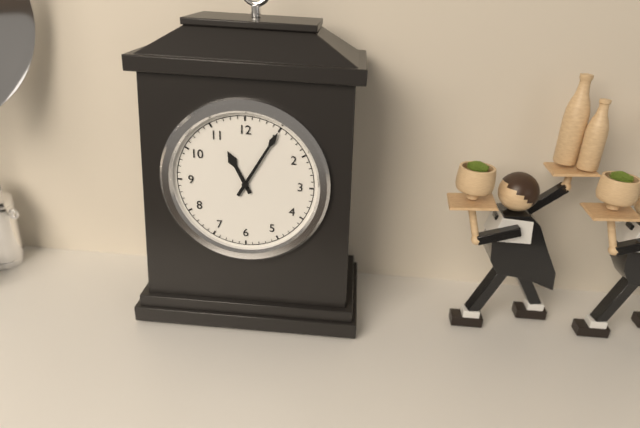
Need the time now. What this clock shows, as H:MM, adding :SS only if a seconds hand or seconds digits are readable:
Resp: 11:05
